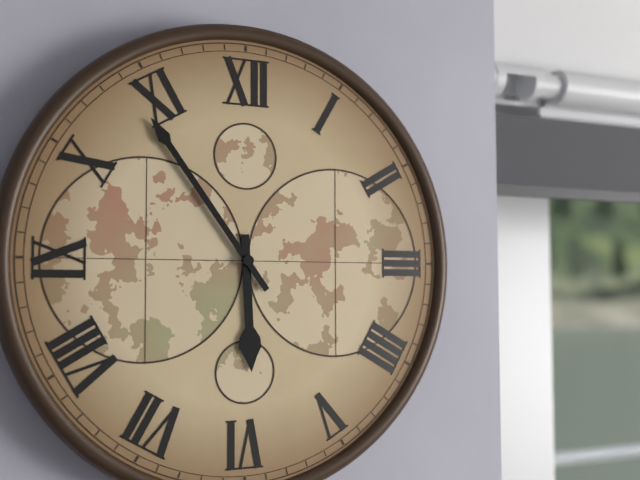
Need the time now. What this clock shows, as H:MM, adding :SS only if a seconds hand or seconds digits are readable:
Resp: 5:54
